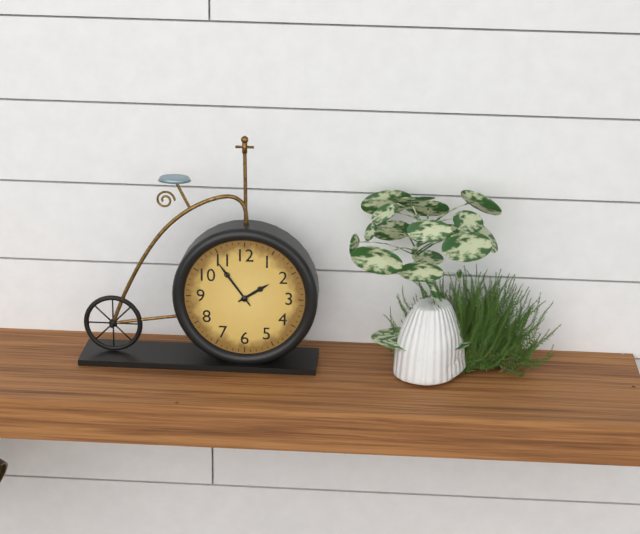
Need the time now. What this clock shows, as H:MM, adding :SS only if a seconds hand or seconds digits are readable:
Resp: 1:54
